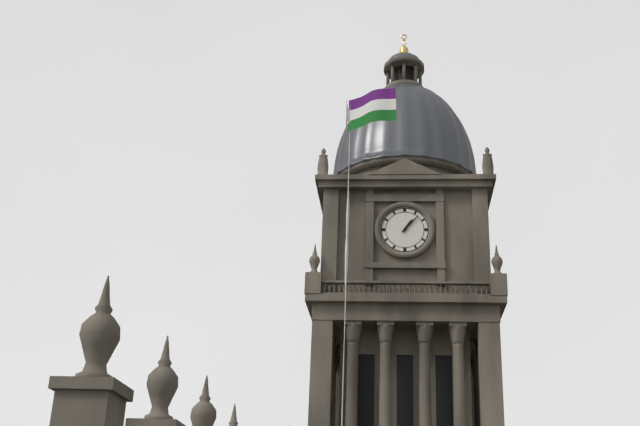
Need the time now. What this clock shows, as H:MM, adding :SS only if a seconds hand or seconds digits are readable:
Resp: 1:07
